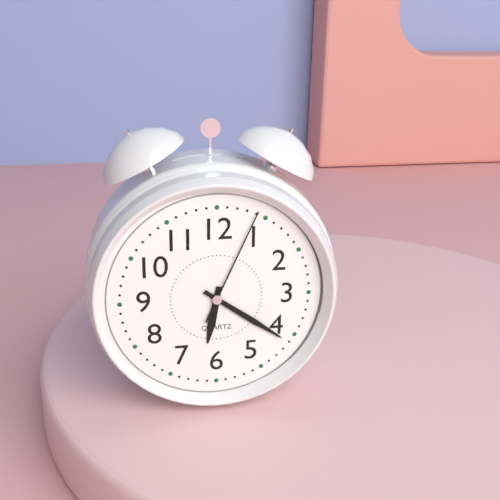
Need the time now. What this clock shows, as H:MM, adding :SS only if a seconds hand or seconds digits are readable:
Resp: 6:21:04
